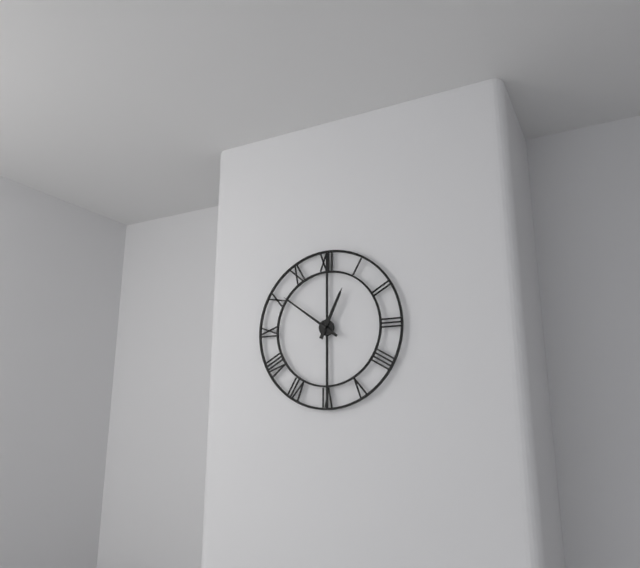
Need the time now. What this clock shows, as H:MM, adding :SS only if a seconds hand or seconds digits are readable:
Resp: 12:51
